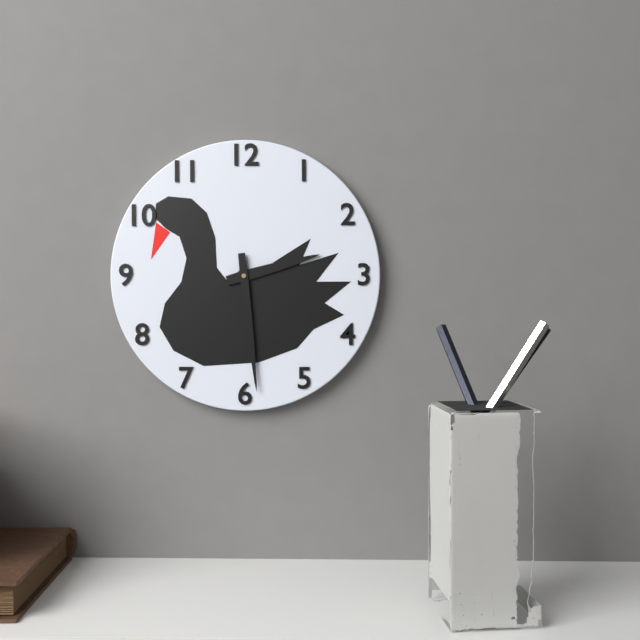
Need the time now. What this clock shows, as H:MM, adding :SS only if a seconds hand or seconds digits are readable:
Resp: 2:29
